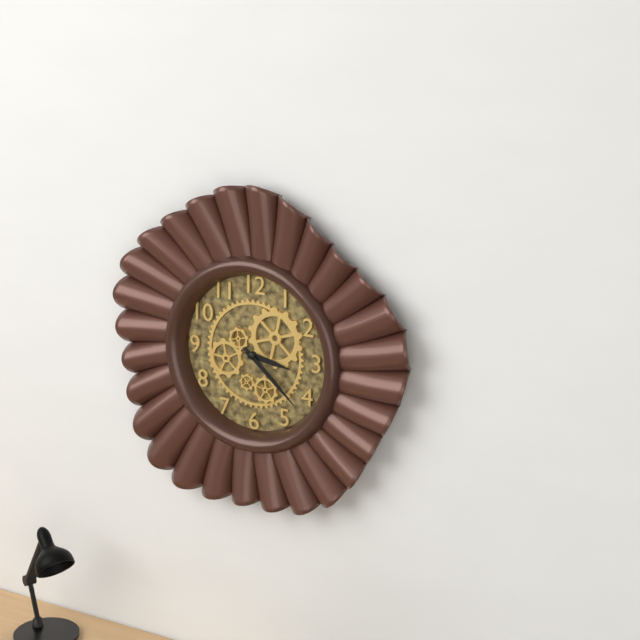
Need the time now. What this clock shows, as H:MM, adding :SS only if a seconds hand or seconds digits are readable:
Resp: 3:22
